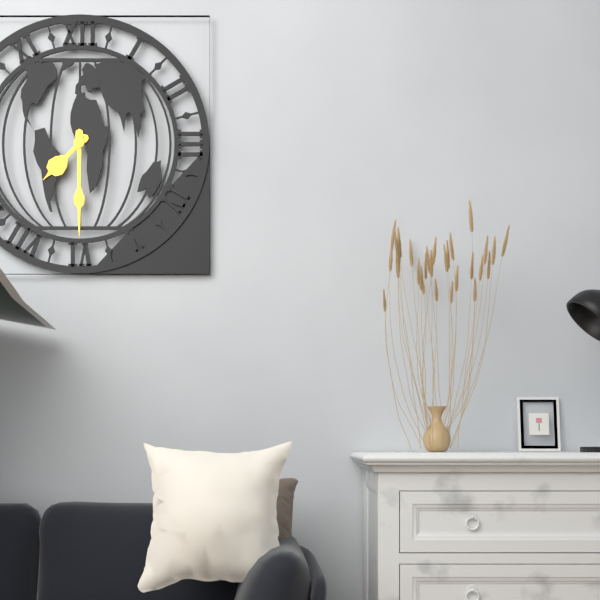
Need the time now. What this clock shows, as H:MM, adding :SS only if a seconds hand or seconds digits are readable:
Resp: 7:30
